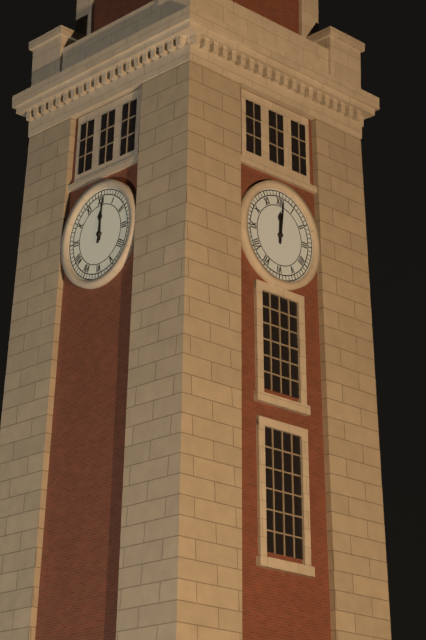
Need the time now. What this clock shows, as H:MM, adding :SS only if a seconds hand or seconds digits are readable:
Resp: 12:01
